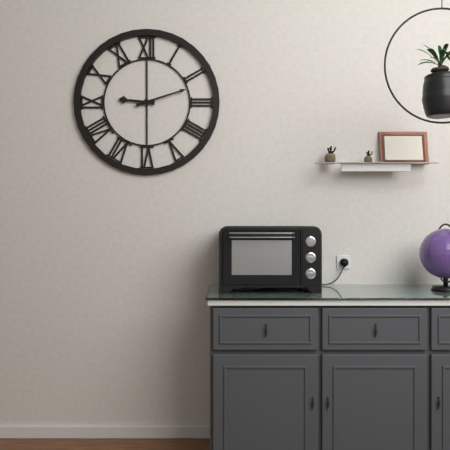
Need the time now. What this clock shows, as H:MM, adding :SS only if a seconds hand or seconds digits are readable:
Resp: 9:12
